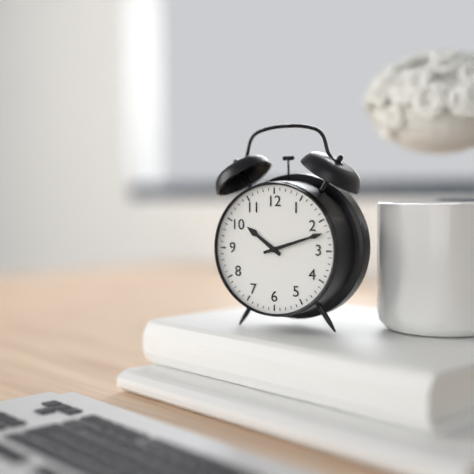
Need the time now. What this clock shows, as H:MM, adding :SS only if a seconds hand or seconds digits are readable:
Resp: 10:12
